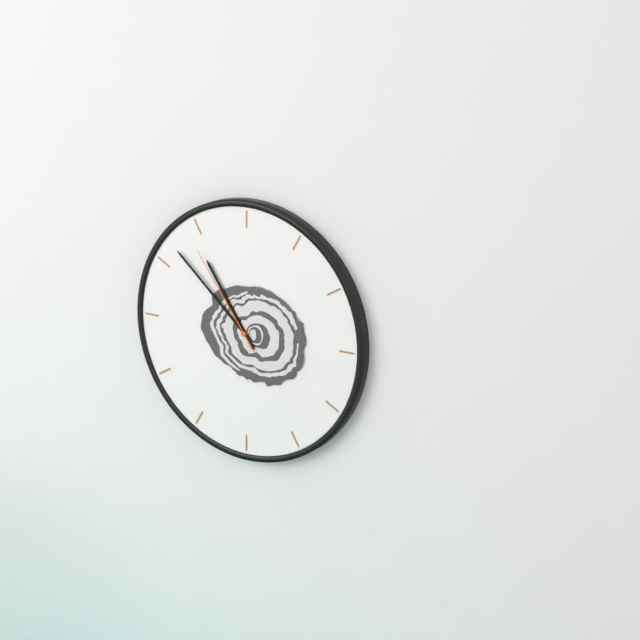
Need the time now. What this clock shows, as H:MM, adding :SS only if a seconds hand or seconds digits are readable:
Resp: 10:52:54
